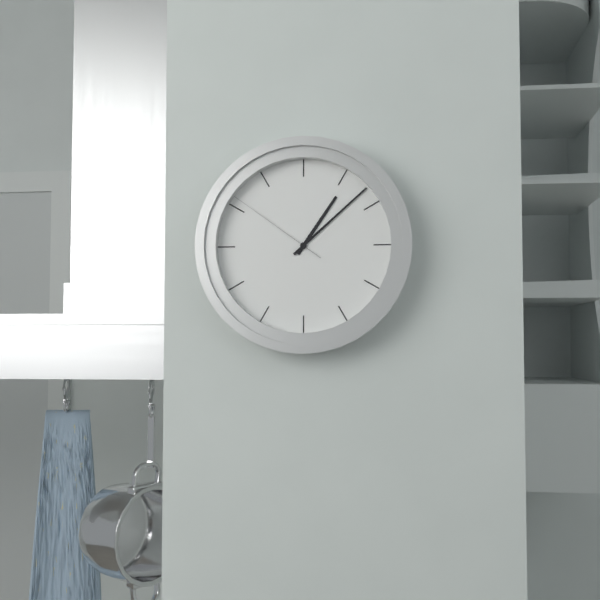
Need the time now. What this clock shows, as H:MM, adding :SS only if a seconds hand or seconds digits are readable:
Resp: 1:08:51
